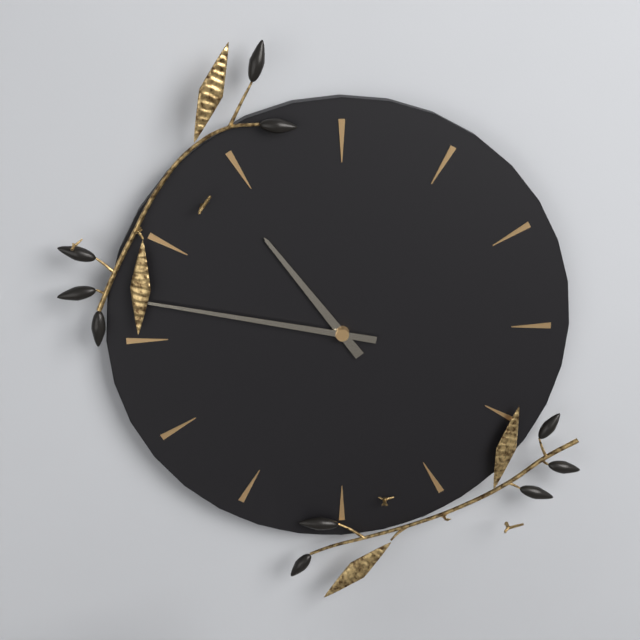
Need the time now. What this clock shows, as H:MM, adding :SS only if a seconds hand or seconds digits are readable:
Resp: 10:47
